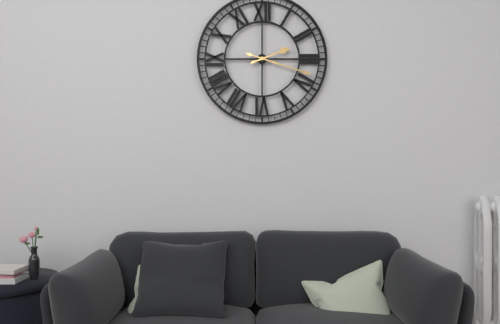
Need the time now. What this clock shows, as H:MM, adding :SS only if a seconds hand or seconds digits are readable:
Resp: 2:18
